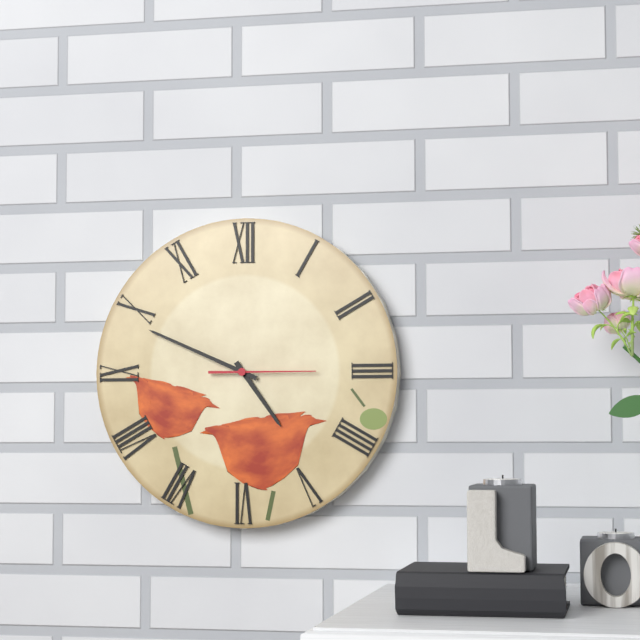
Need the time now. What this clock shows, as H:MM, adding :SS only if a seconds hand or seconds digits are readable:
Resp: 4:49:15
